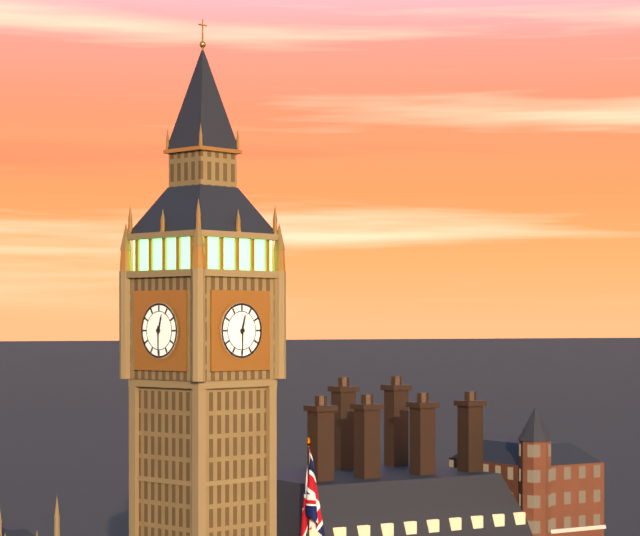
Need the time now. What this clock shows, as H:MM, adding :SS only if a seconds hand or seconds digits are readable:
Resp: 12:30
